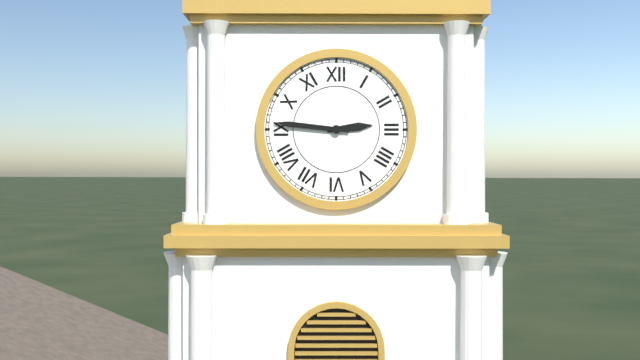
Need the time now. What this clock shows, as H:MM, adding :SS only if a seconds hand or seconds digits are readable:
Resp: 2:46
